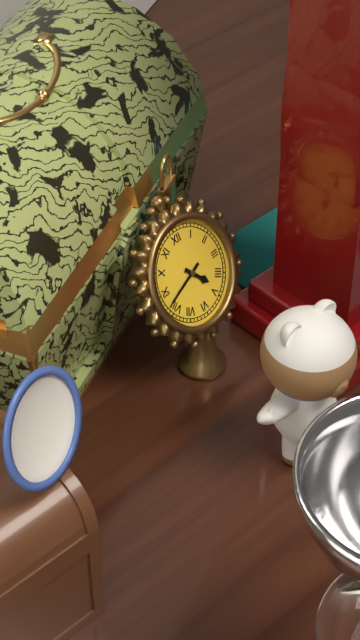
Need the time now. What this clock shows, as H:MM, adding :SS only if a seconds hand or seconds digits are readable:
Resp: 4:42
